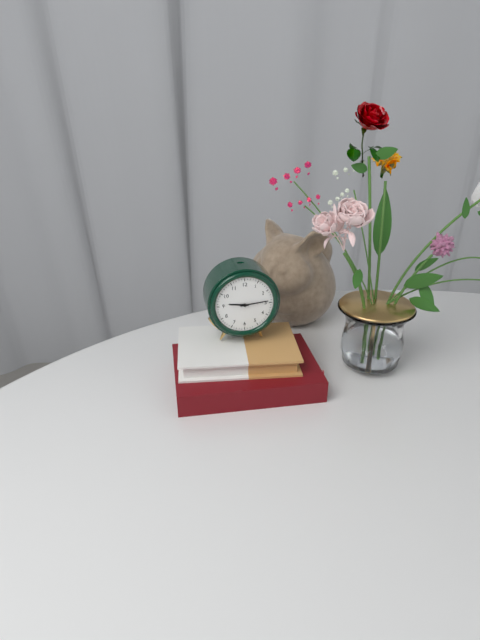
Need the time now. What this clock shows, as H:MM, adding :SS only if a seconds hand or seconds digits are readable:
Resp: 9:14
